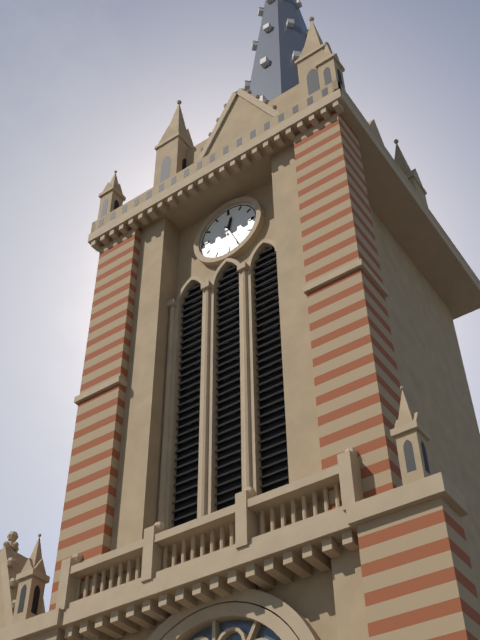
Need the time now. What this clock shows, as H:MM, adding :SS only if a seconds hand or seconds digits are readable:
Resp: 12:26
